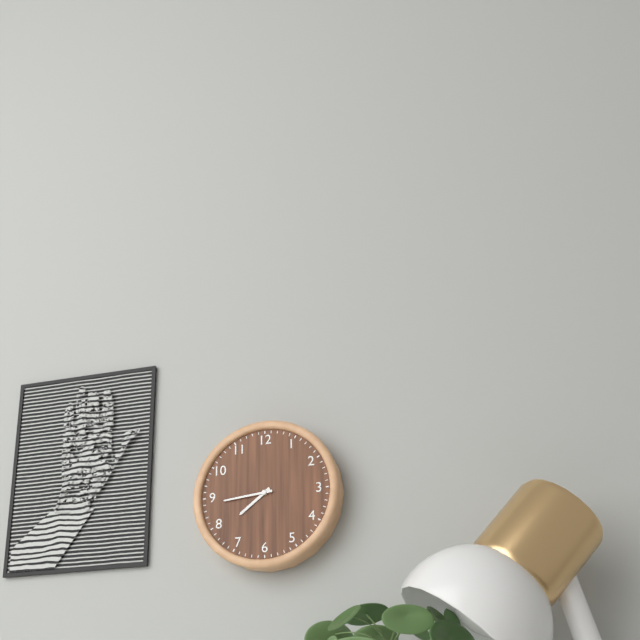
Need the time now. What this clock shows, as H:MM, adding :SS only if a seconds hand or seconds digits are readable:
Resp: 7:44
